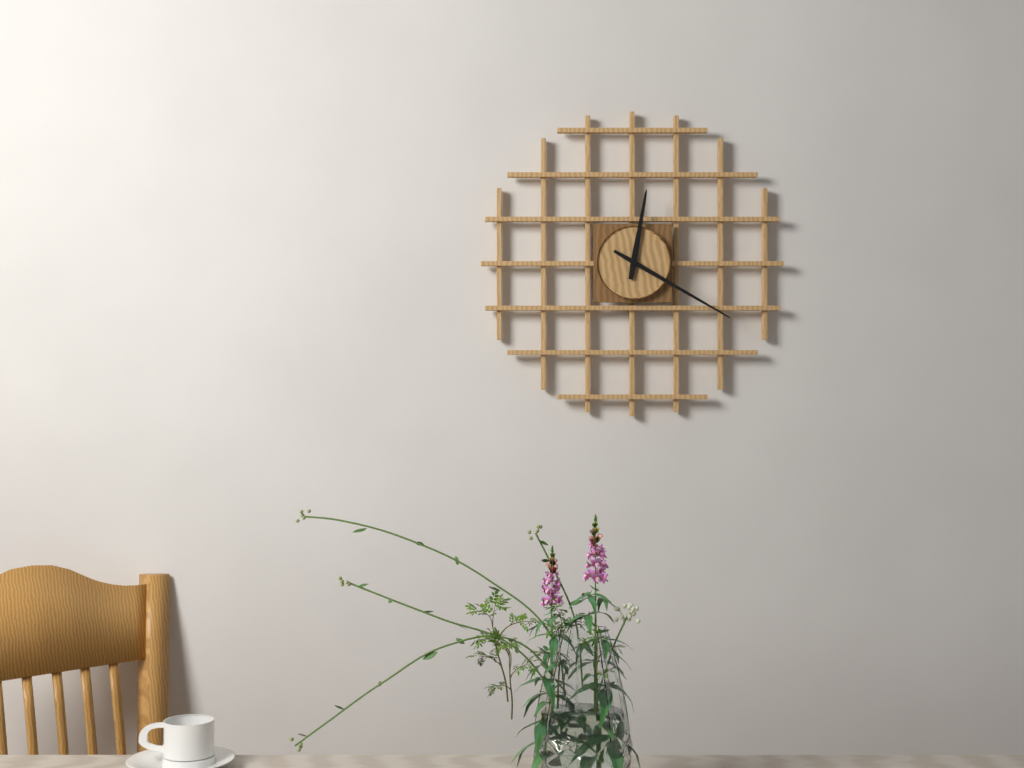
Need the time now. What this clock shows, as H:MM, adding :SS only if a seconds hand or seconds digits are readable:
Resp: 12:20
